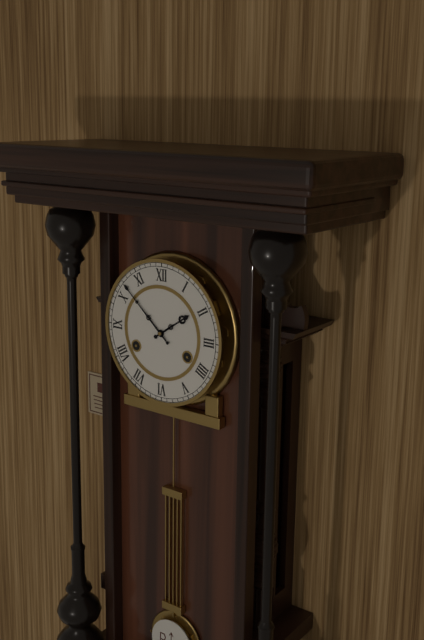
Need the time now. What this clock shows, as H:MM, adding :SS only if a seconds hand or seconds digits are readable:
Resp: 1:52
